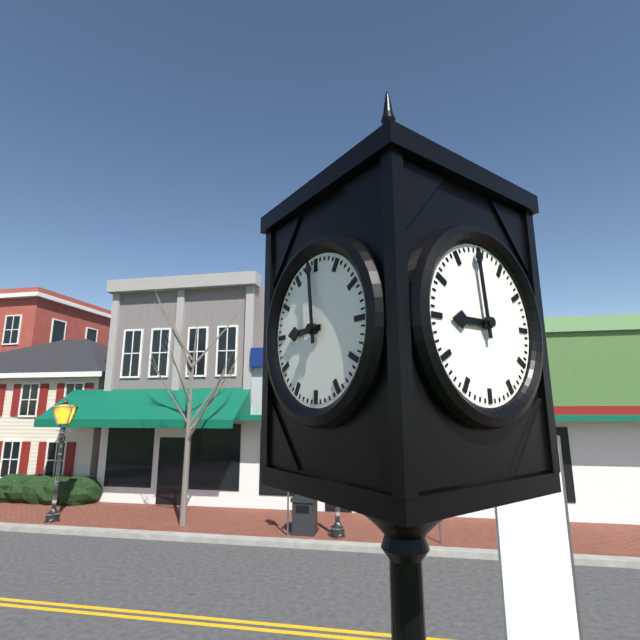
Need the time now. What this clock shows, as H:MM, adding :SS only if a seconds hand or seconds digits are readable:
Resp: 8:59
